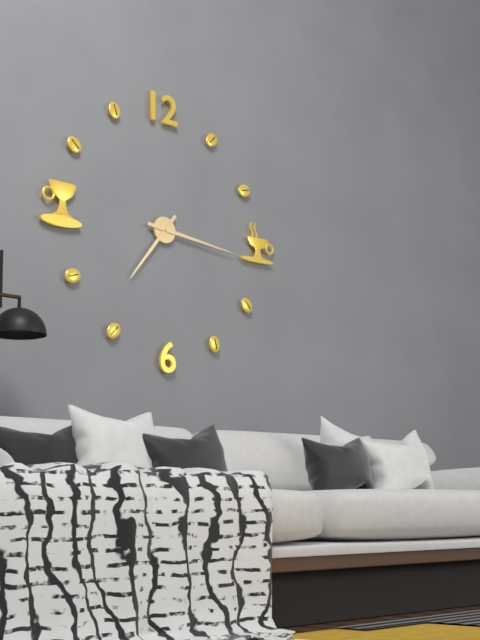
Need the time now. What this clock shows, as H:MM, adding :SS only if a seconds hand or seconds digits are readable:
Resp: 7:16
